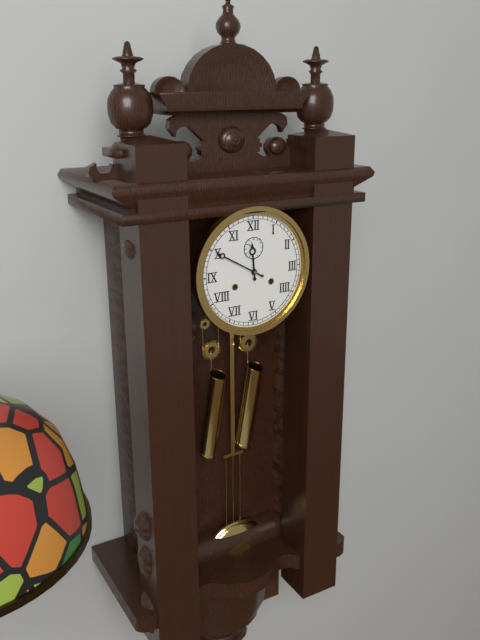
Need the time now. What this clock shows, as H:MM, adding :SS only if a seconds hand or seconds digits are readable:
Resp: 11:50
